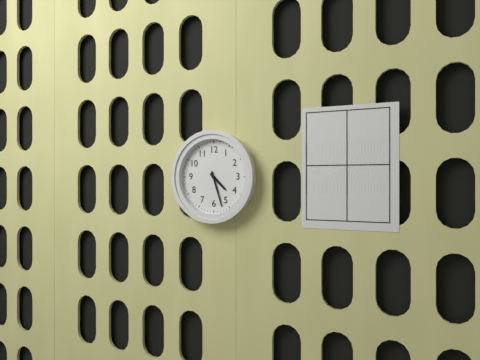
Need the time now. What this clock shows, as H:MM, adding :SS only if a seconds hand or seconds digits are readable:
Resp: 4:27
